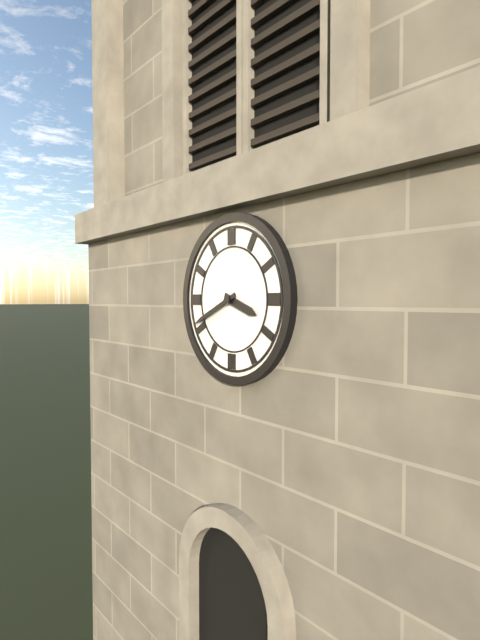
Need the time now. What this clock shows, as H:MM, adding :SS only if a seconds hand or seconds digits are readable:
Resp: 3:41
